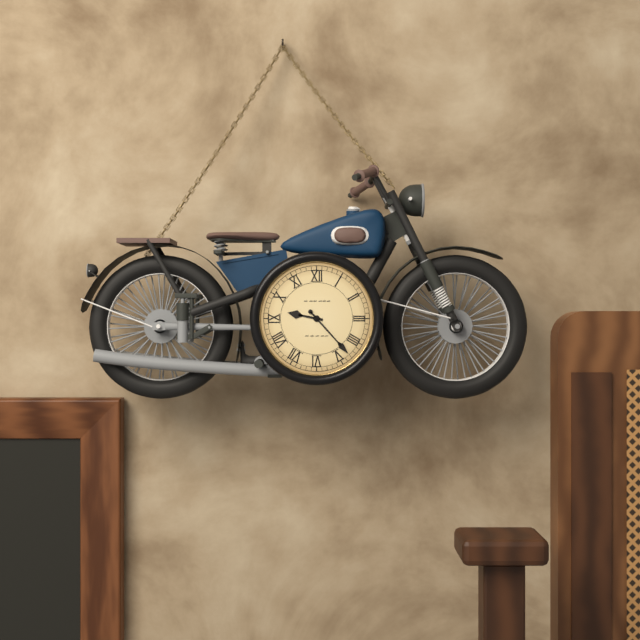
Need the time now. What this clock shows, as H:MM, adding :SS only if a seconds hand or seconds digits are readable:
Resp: 9:23
